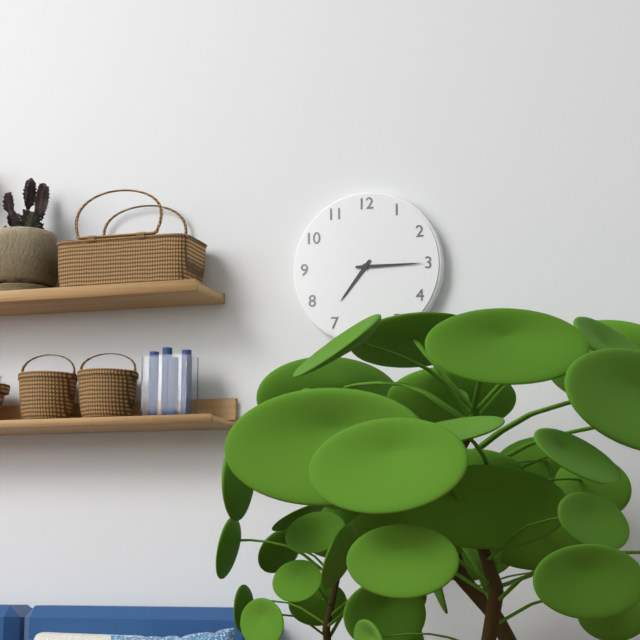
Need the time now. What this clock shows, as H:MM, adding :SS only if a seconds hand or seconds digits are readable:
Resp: 7:15
